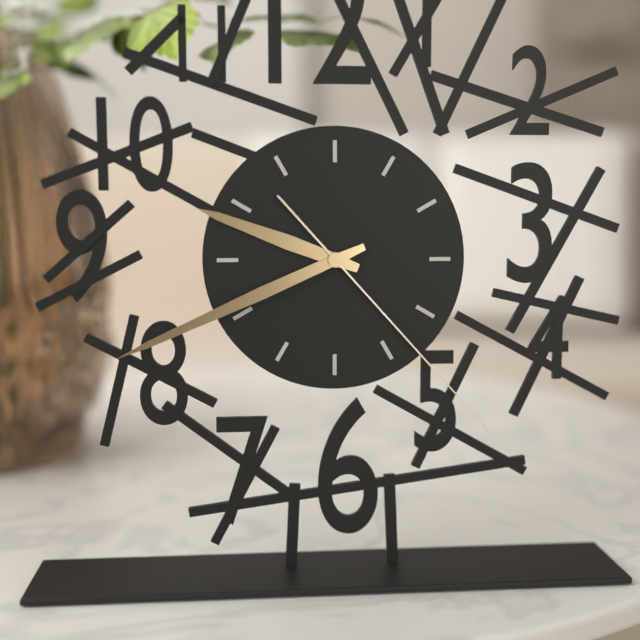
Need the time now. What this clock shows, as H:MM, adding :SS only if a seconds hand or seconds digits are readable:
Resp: 9:41:23
